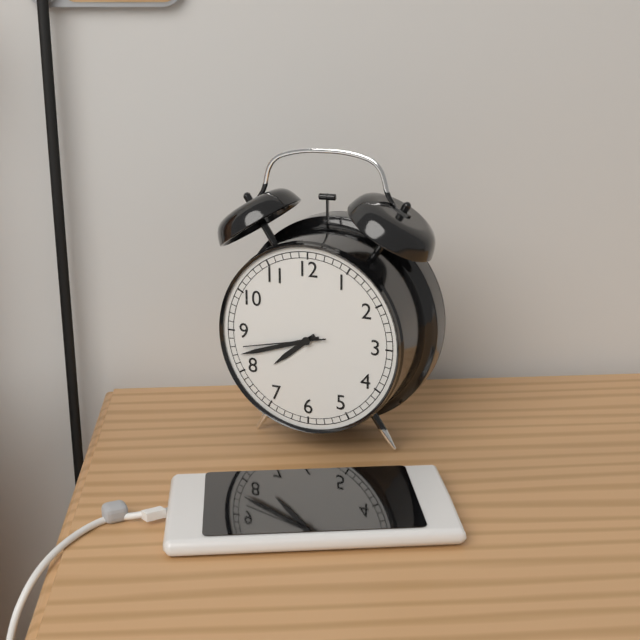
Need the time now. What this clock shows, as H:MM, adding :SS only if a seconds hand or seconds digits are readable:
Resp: 7:42:43
